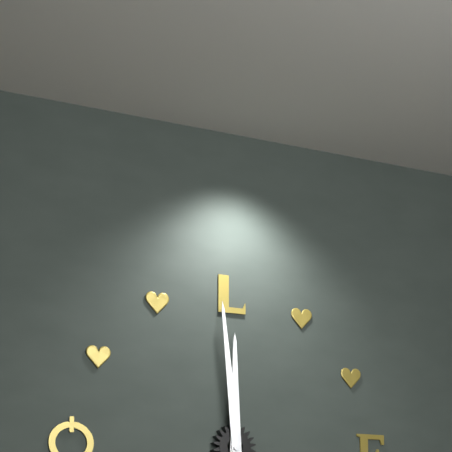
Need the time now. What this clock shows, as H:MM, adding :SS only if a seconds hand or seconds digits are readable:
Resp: 11:59
